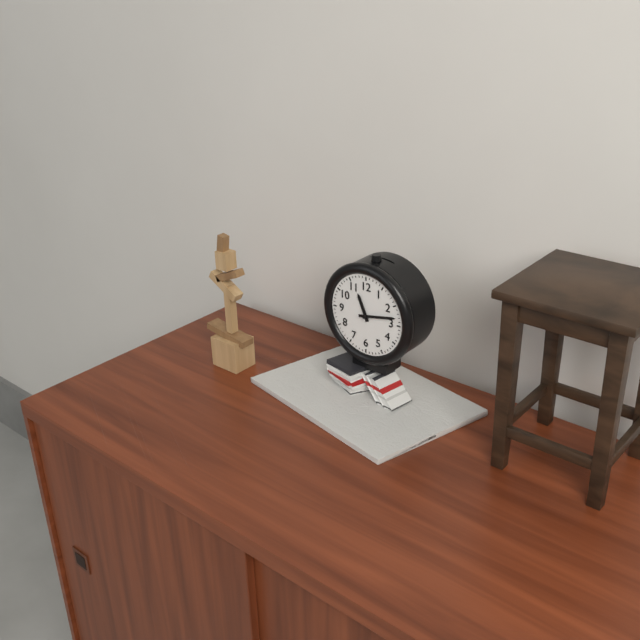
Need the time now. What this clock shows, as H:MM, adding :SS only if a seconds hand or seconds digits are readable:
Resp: 11:13
